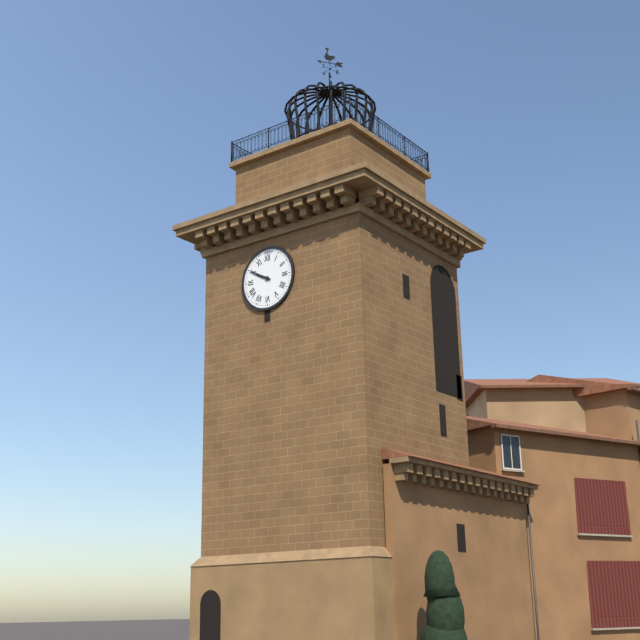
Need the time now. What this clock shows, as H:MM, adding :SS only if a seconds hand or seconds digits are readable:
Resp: 9:50
